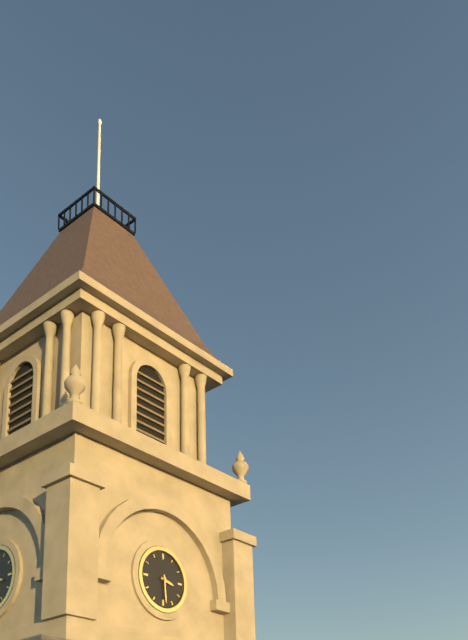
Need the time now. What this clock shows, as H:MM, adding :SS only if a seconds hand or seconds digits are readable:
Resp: 3:29
